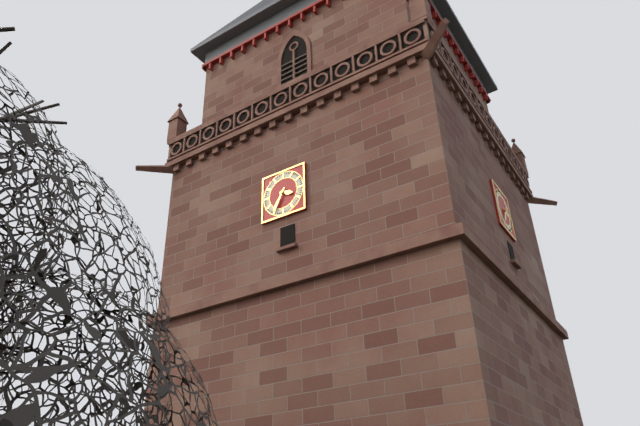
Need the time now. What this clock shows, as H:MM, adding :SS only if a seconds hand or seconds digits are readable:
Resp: 3:35
